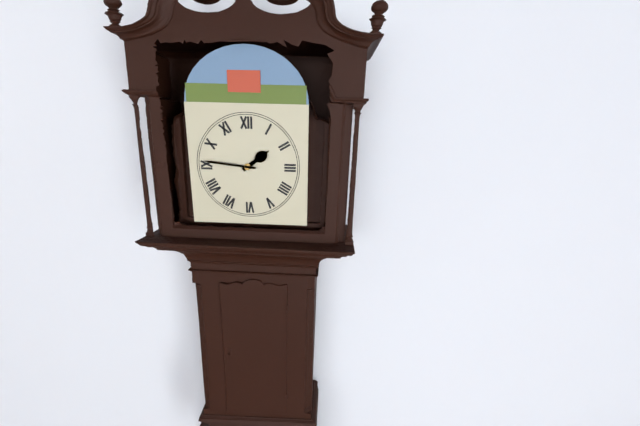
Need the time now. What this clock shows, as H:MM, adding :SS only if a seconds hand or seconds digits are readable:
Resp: 1:46
